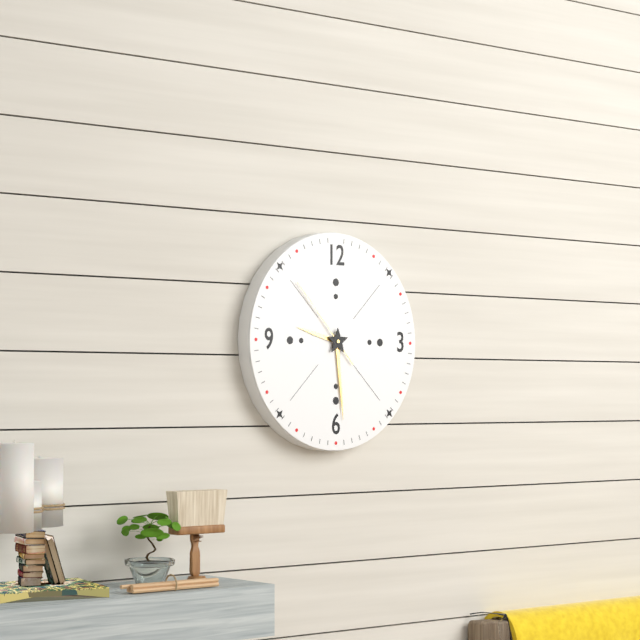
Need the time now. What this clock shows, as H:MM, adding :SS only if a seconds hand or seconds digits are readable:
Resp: 9:29:53
